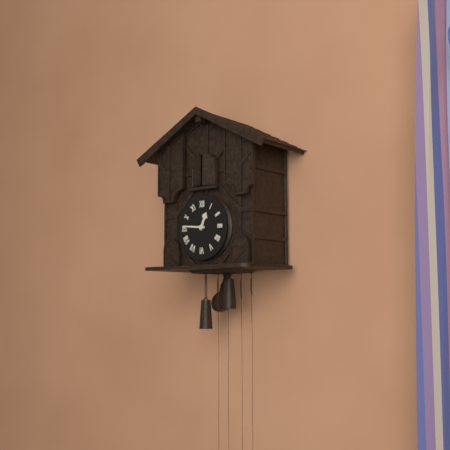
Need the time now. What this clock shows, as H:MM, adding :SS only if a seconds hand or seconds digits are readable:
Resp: 12:46
